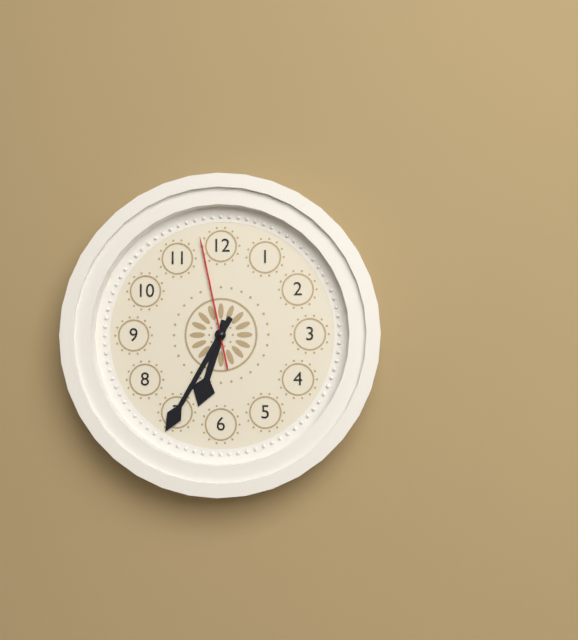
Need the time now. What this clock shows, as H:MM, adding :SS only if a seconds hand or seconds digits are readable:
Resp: 6:35:58
